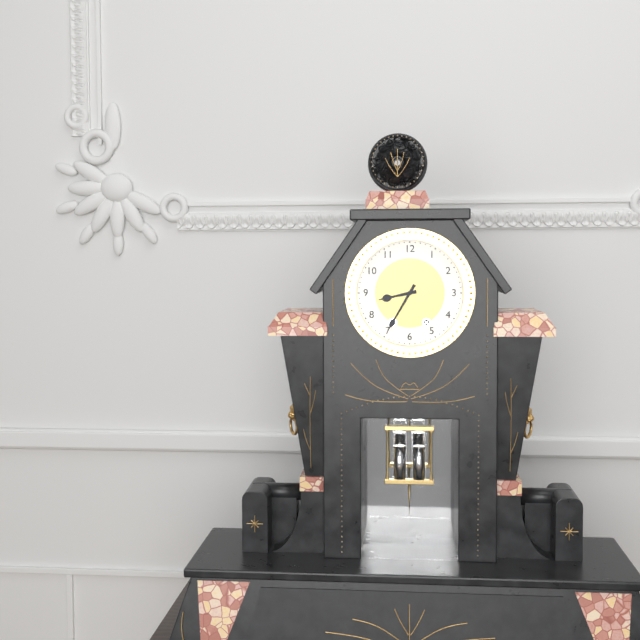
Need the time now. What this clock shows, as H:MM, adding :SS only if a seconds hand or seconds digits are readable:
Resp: 8:35
